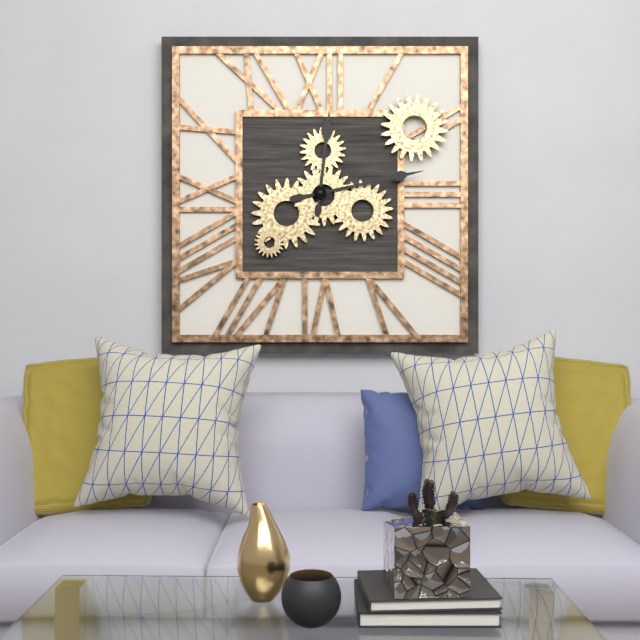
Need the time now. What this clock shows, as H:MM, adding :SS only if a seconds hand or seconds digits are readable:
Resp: 12:13
